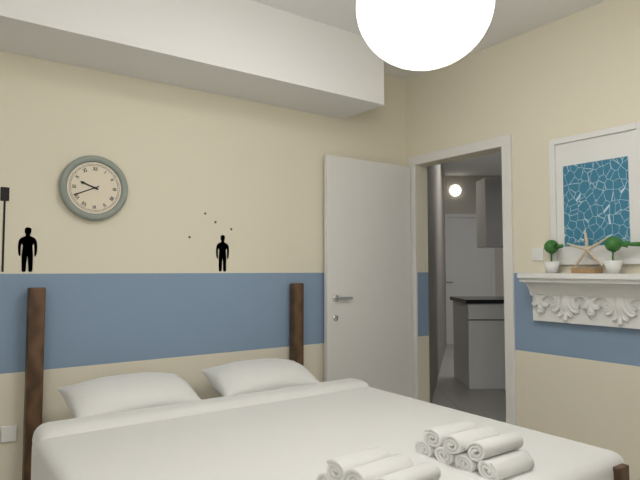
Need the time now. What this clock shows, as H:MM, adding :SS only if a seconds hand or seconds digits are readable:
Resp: 9:41
